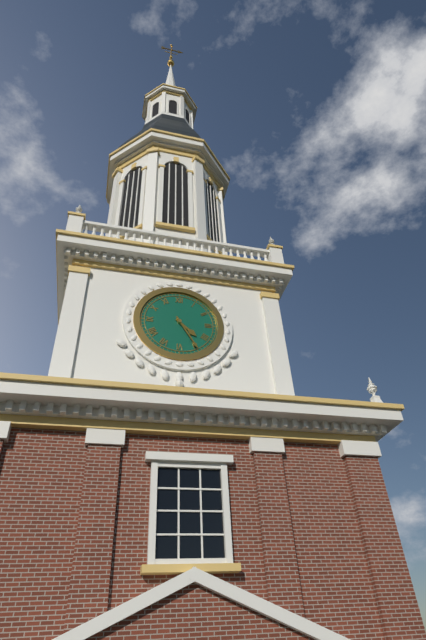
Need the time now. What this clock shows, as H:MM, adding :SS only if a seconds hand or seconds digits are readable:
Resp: 4:25
